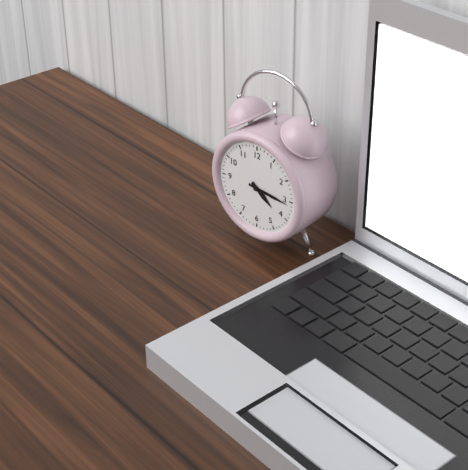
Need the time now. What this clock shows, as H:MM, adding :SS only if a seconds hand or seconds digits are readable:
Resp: 4:16
